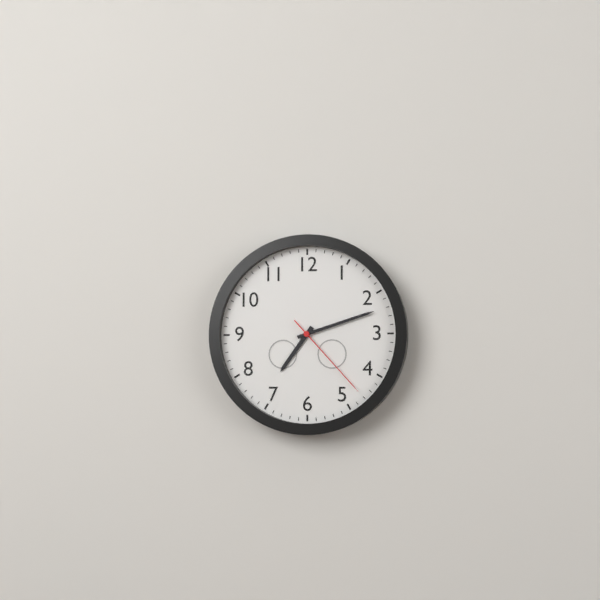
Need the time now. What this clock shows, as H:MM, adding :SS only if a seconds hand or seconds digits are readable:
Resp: 7:12:23
